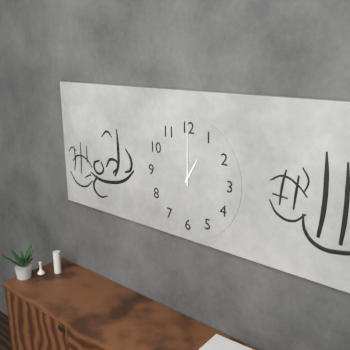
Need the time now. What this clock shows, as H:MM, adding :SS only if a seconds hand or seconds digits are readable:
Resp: 1:00
